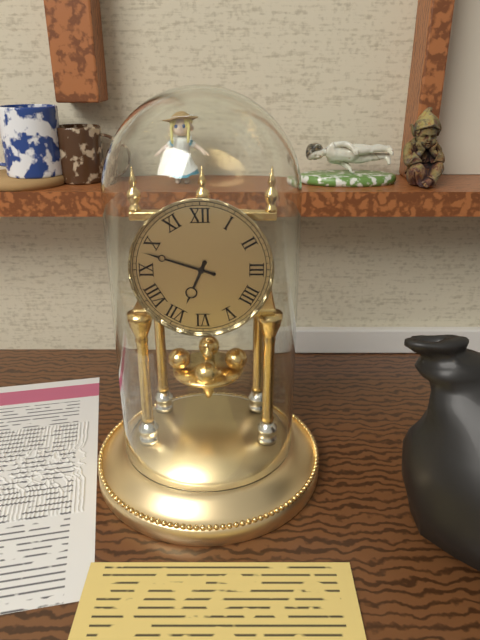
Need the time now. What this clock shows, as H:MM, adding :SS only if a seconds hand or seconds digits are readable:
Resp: 6:48
